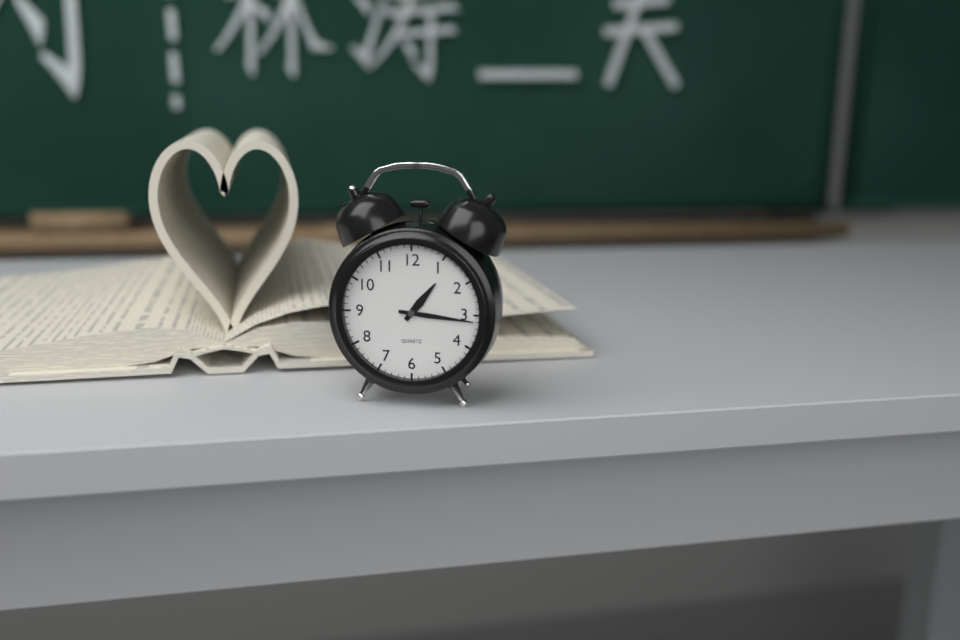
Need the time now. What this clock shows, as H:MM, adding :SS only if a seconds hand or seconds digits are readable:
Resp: 1:16
